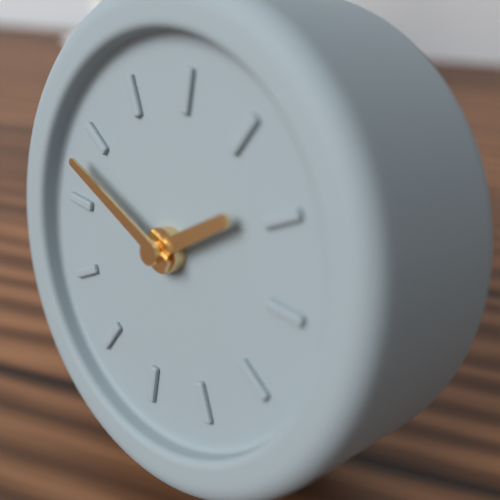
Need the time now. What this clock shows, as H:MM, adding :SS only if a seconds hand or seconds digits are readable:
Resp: 1:48
